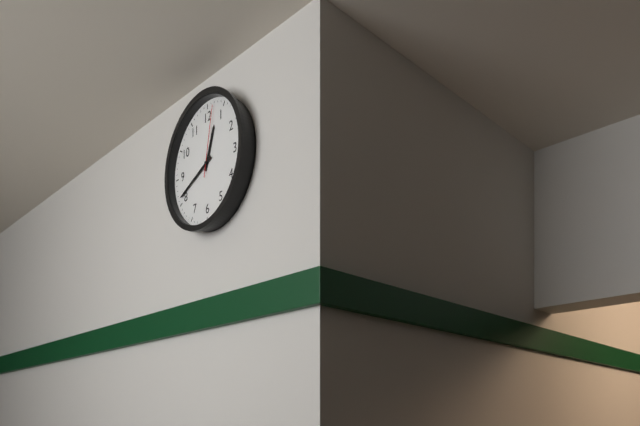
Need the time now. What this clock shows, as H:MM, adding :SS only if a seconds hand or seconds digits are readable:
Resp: 12:41:02
